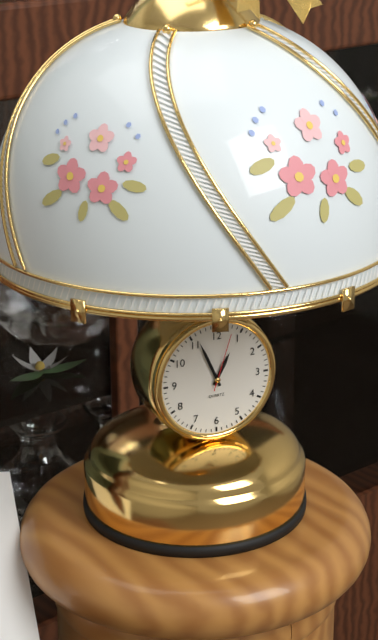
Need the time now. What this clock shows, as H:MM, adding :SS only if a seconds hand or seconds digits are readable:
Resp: 12:56:03
